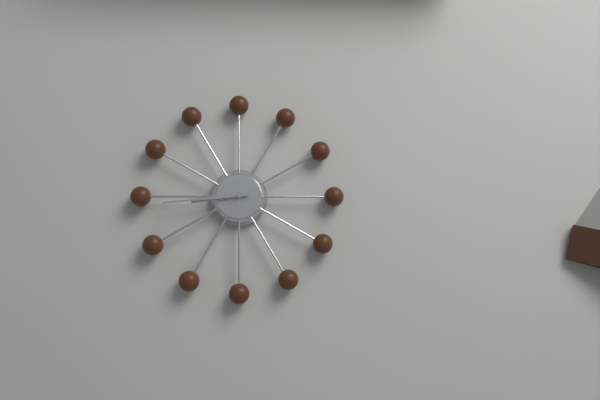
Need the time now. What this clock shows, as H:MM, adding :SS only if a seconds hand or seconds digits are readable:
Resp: 8:44
